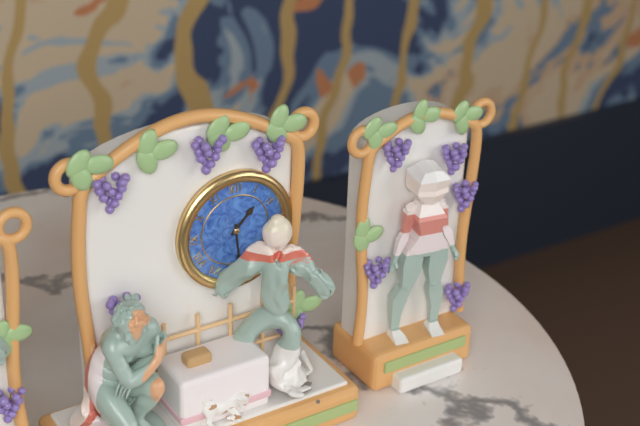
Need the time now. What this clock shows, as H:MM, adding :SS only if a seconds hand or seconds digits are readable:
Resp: 1:29
